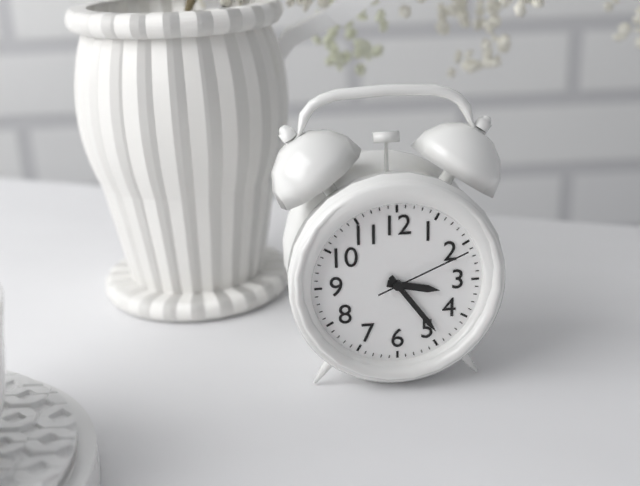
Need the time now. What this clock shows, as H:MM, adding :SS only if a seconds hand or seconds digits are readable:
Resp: 3:24:11
